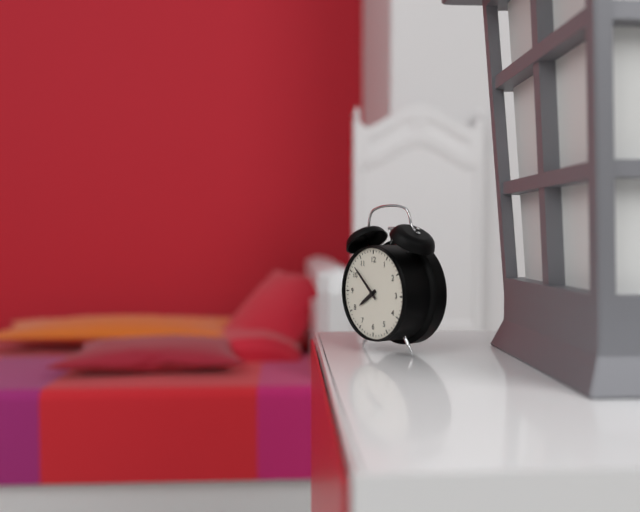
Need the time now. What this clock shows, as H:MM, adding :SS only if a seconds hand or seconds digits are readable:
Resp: 7:52
